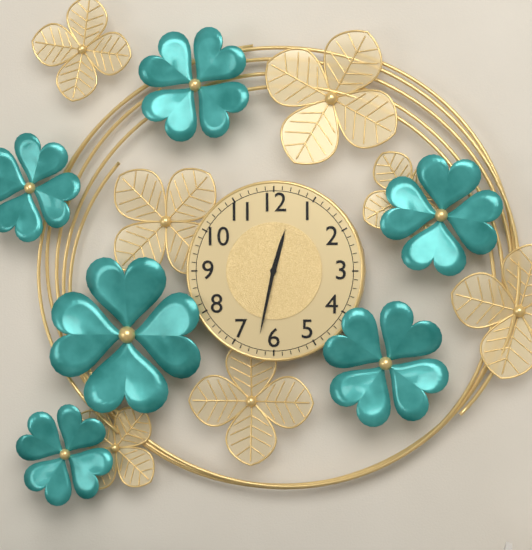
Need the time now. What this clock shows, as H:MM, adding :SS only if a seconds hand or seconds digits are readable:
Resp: 12:32
